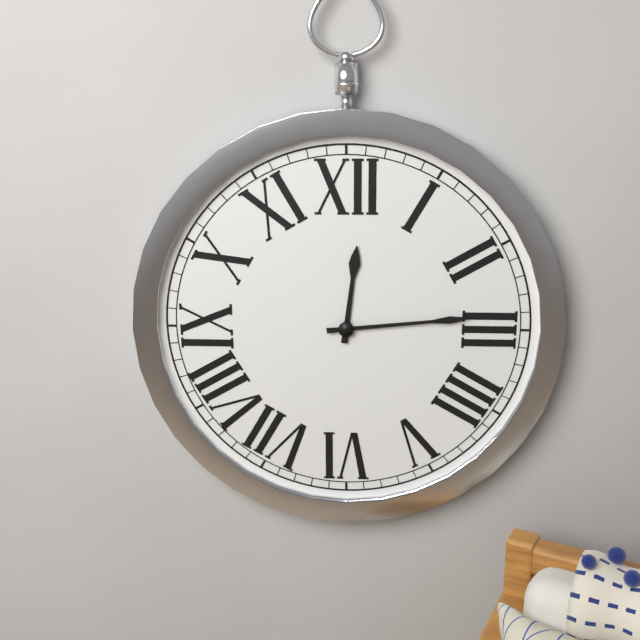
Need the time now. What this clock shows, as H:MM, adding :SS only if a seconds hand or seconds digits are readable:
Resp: 12:14
